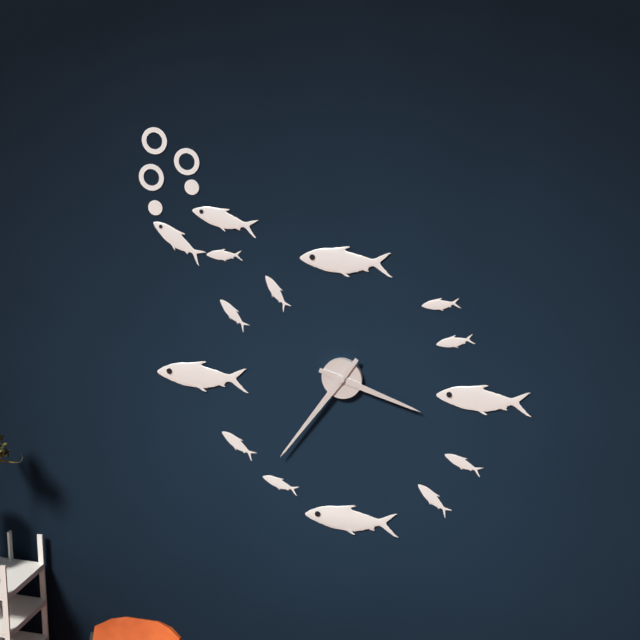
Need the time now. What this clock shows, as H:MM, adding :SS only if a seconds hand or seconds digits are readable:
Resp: 3:36
